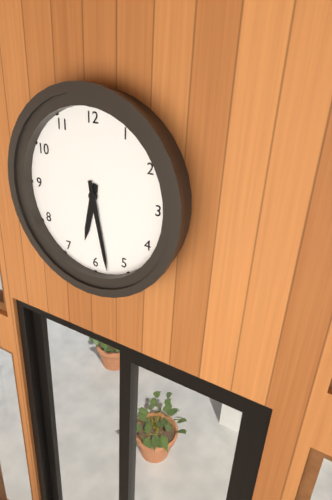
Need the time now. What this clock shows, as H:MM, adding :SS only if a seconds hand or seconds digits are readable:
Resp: 6:28
